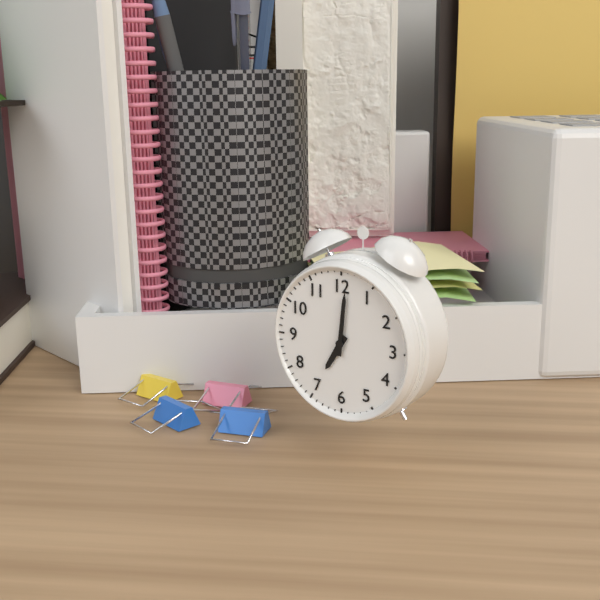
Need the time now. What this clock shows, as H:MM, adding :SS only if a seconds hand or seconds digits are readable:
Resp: 7:01
